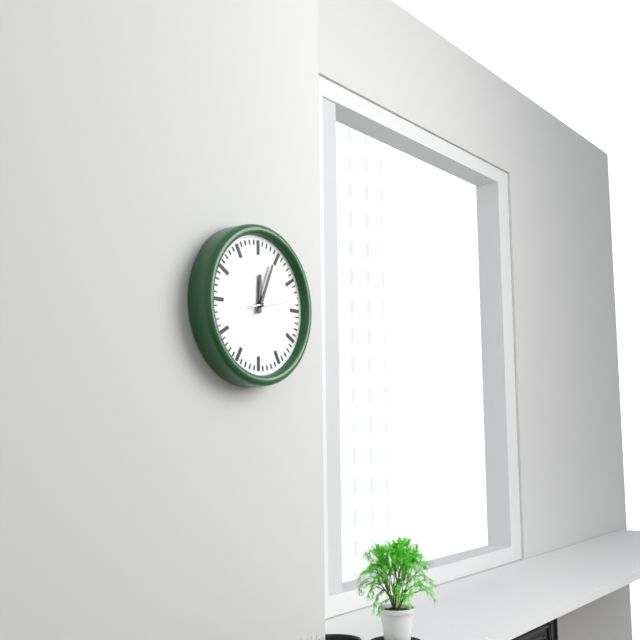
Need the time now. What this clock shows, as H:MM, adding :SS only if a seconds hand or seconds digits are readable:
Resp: 12:04:13
